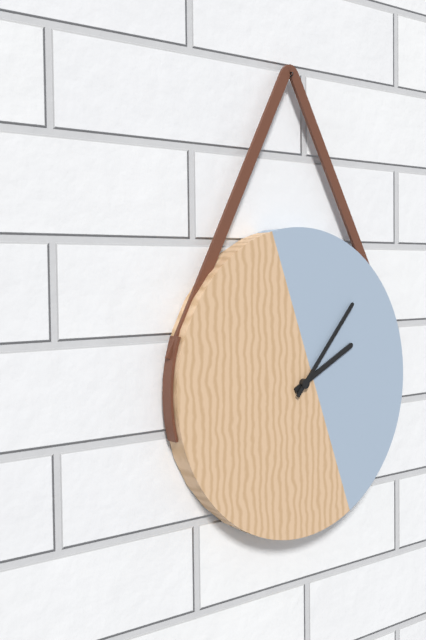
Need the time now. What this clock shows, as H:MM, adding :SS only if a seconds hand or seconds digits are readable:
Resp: 2:07
